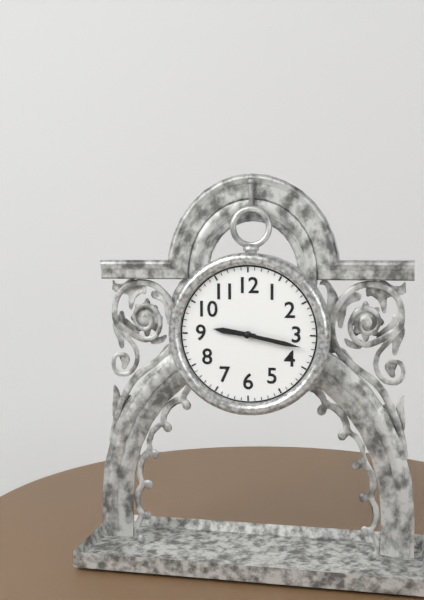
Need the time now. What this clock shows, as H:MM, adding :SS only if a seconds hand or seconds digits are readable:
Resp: 9:17
